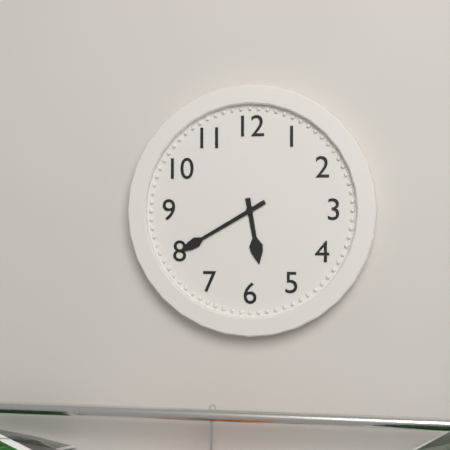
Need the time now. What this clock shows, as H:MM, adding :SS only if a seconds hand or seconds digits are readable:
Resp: 5:40
